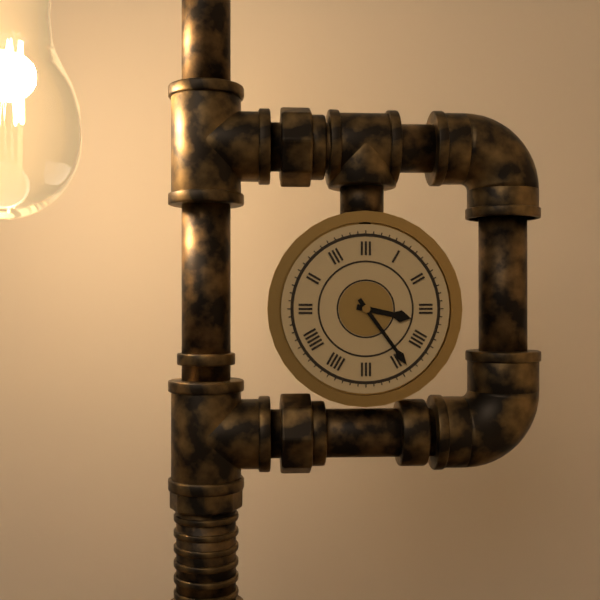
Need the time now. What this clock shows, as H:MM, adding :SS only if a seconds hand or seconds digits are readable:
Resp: 3:24
